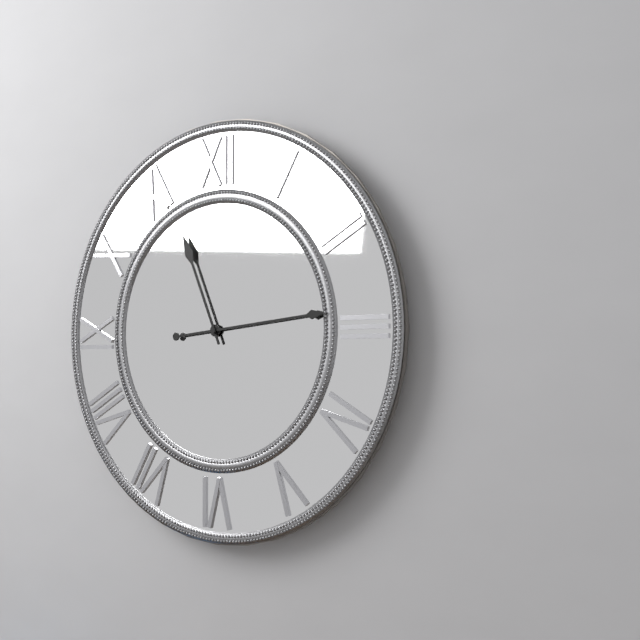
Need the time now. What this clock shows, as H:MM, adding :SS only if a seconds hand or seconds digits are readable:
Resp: 11:14
